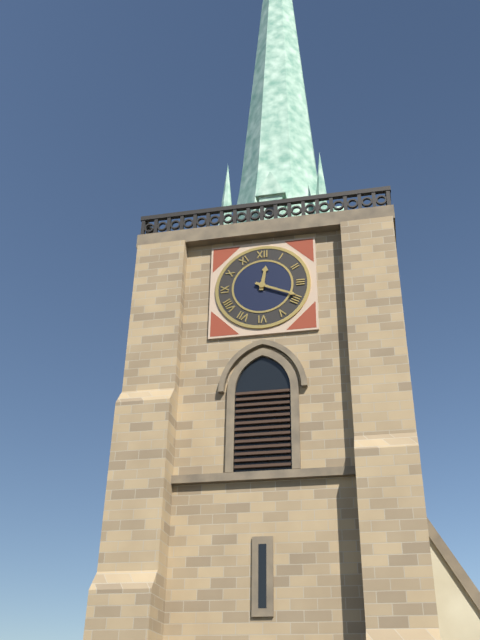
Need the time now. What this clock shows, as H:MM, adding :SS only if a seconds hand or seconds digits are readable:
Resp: 12:19
